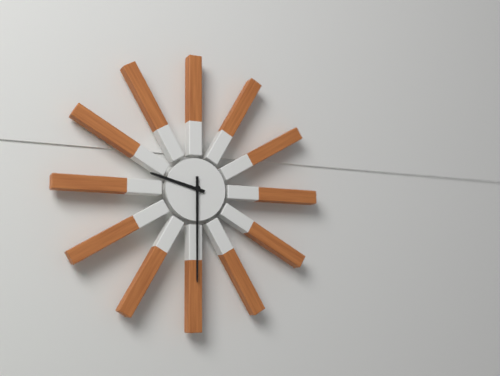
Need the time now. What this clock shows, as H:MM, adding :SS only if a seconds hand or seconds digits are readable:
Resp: 9:30
